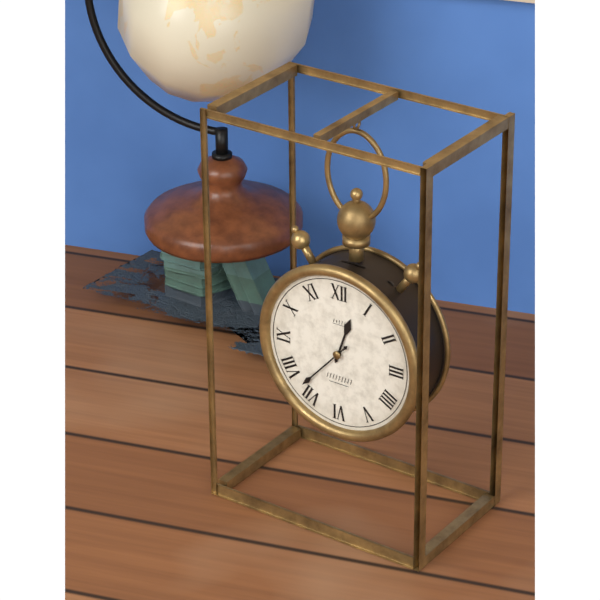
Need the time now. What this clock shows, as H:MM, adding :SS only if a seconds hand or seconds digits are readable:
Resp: 12:37
